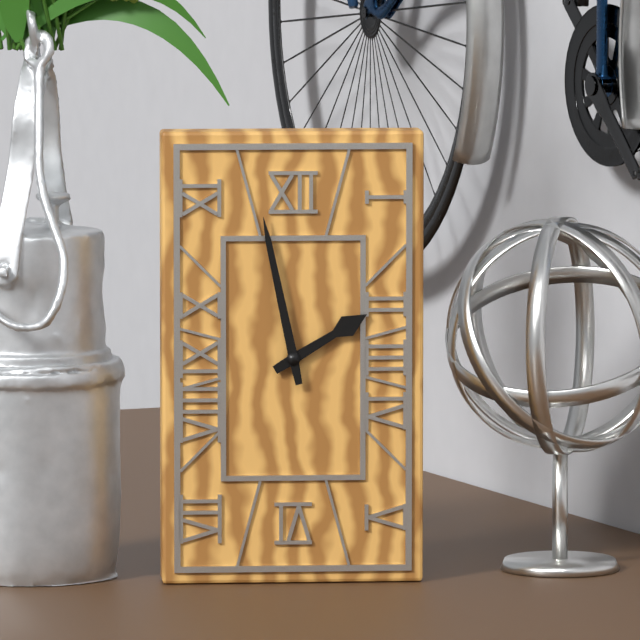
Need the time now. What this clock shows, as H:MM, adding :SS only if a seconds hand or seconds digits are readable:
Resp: 1:58
